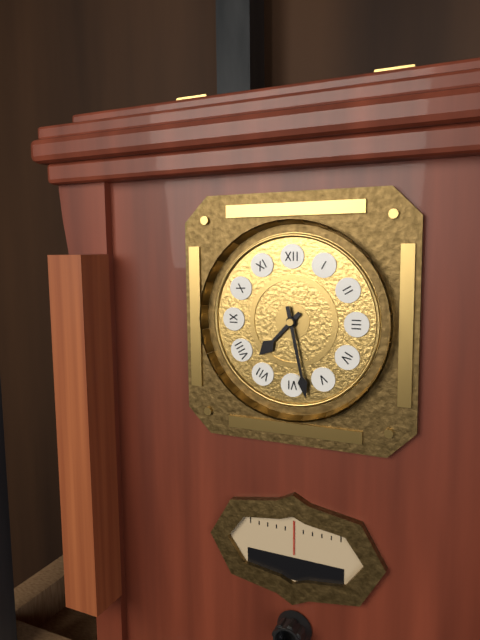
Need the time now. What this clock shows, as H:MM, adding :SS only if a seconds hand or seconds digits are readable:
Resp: 7:28
